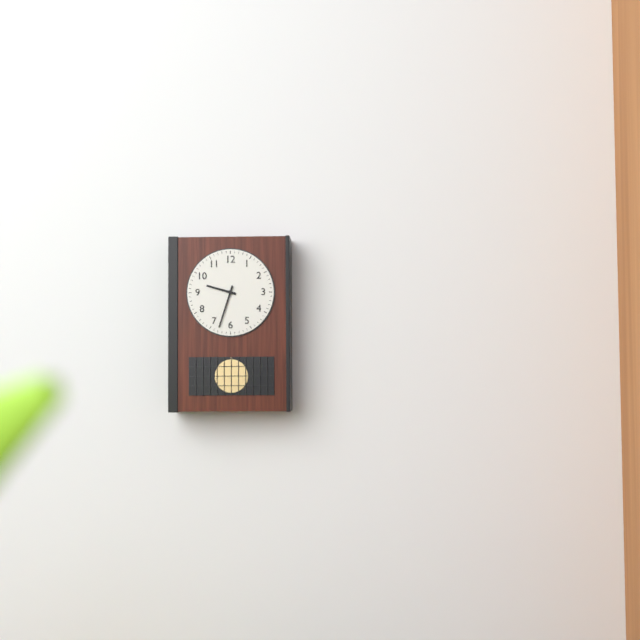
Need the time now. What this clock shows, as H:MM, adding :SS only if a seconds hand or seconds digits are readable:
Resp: 9:33
